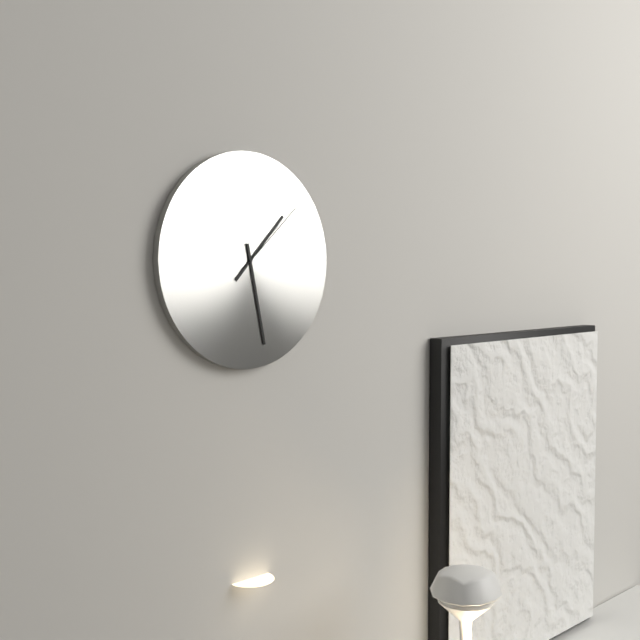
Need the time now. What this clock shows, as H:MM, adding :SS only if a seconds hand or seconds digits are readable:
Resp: 1:28:08
